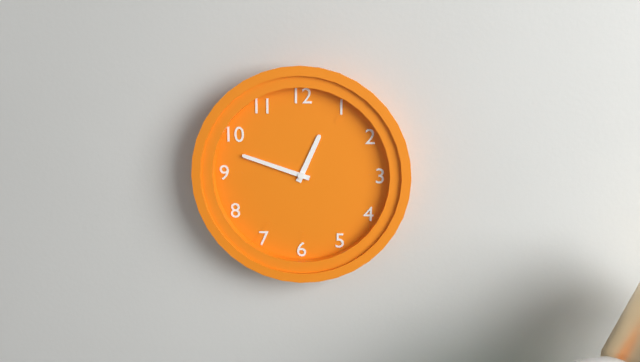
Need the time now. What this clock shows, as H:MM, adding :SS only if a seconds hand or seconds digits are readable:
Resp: 12:48
